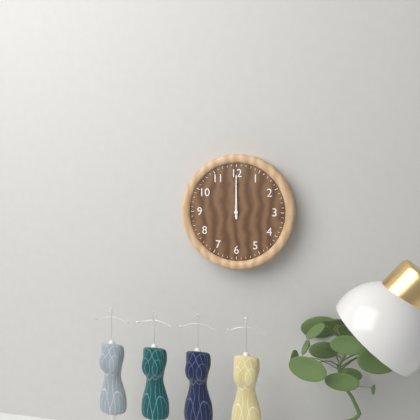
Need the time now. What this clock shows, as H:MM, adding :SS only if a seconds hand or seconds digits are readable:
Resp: 12:00
